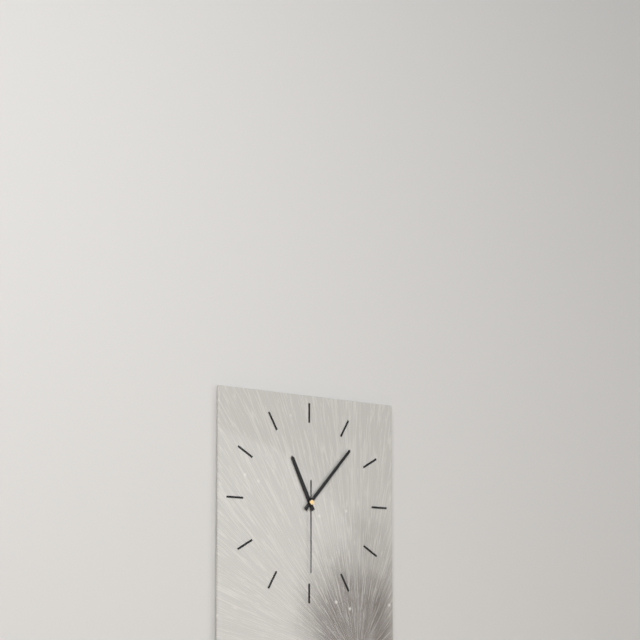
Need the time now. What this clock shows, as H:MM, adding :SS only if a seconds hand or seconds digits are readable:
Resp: 11:07:30
